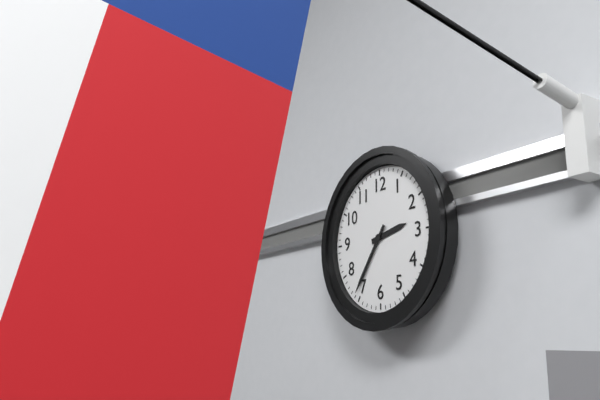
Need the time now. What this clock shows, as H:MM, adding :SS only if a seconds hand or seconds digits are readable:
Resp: 2:36
